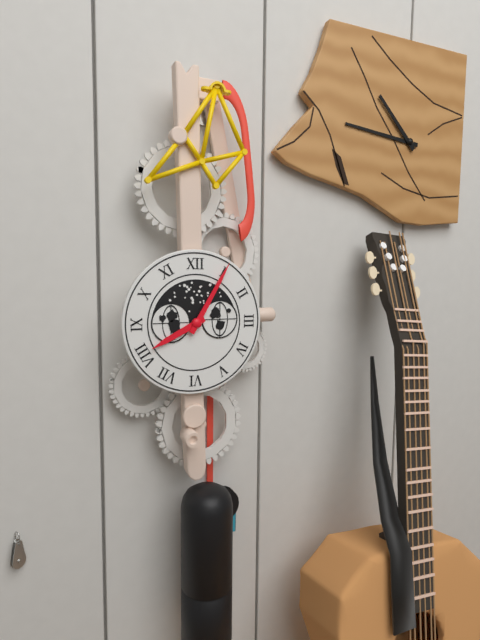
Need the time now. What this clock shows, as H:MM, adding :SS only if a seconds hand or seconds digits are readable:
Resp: 8:05
